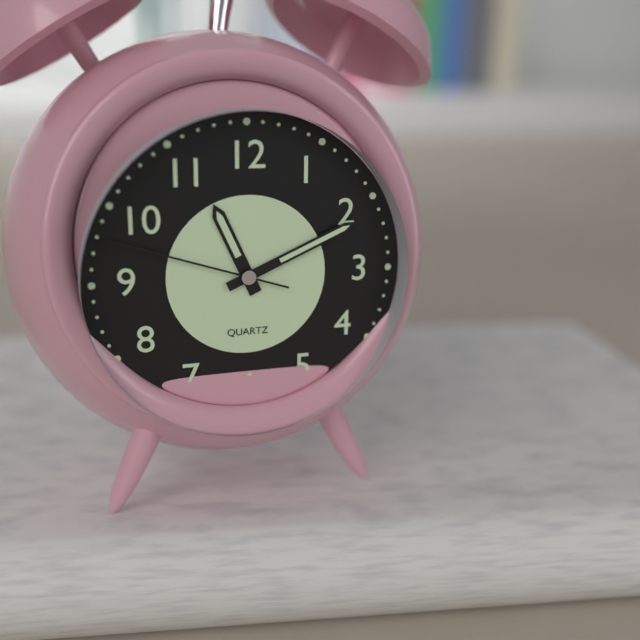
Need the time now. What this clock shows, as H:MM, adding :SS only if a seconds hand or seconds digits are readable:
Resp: 11:11:48
